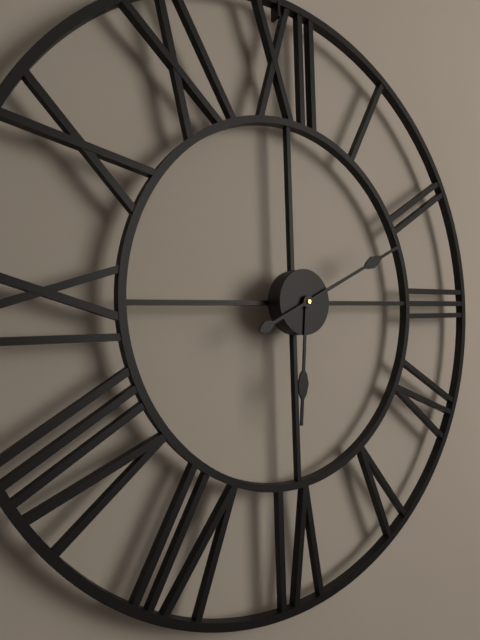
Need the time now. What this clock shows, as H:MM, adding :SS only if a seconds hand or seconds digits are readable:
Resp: 6:11
